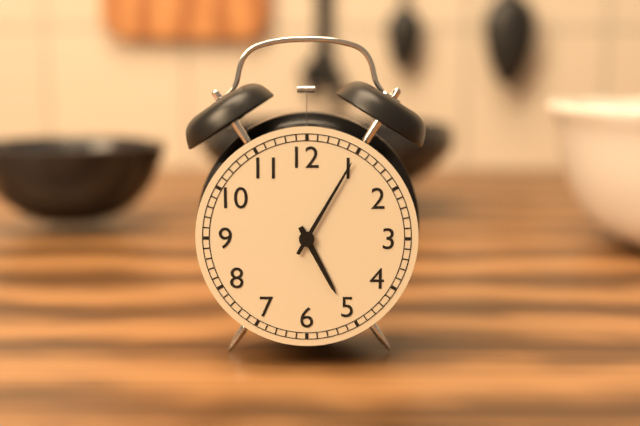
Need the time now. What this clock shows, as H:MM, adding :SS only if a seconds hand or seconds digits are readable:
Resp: 5:05
